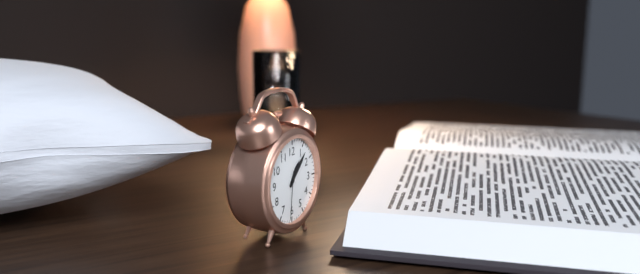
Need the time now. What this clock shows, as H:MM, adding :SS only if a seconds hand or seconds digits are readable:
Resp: 1:07
